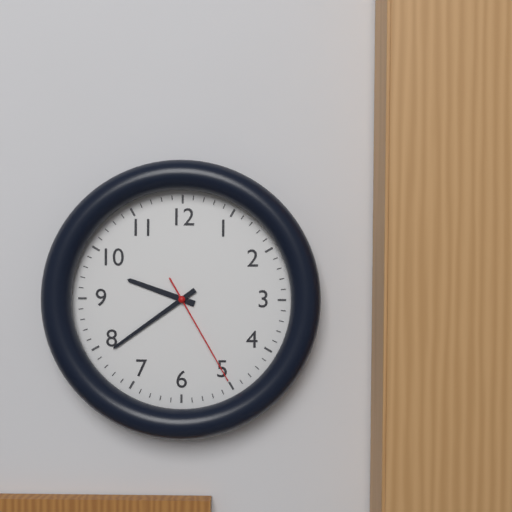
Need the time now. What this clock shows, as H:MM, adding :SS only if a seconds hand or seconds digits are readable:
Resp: 9:39:25
